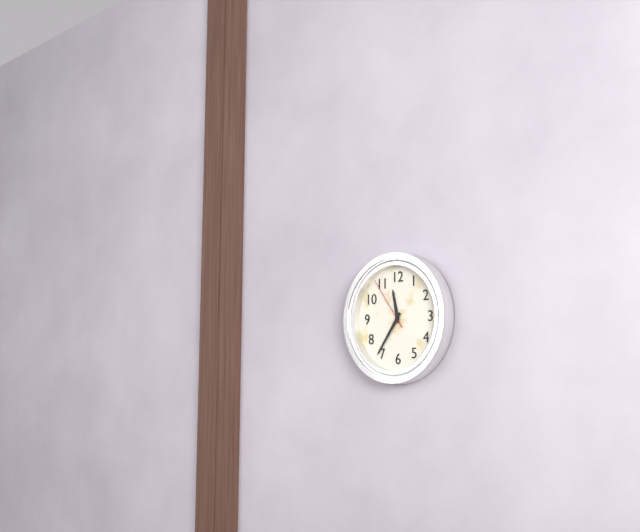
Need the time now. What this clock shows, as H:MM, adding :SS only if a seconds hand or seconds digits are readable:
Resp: 11:36:54
